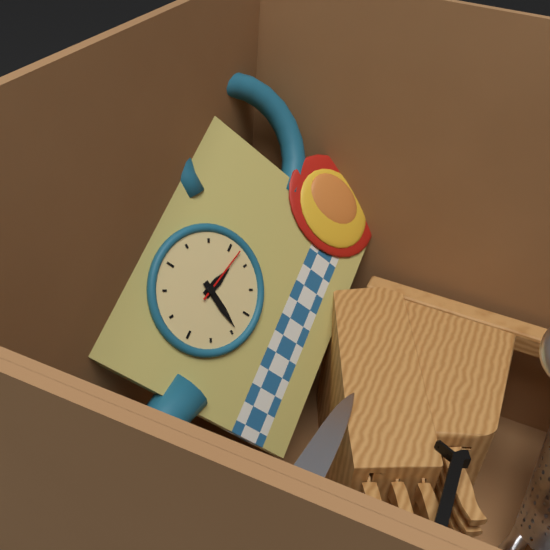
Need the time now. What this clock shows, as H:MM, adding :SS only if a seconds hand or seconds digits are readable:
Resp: 3:34:17
